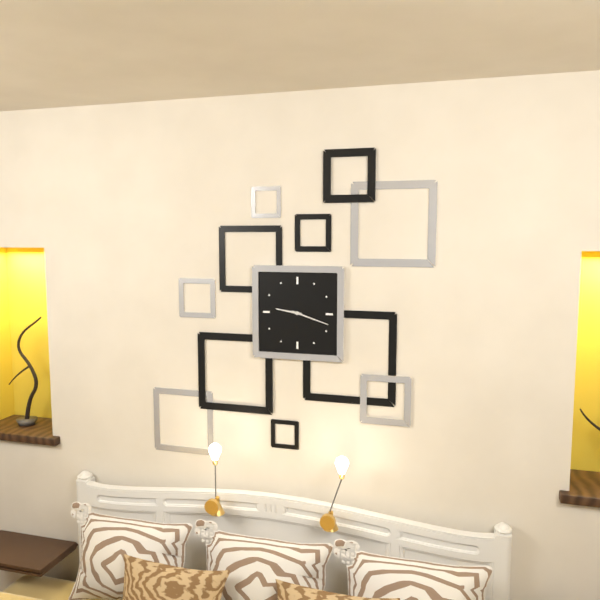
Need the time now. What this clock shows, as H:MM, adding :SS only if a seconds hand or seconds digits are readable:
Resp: 9:18
